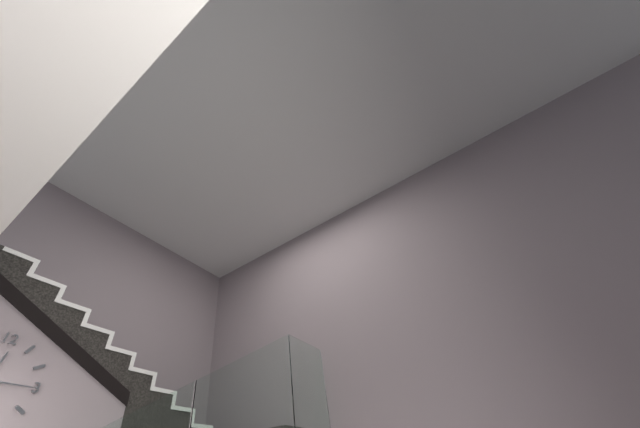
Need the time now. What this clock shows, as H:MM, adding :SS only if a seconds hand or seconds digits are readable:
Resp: 12:15
